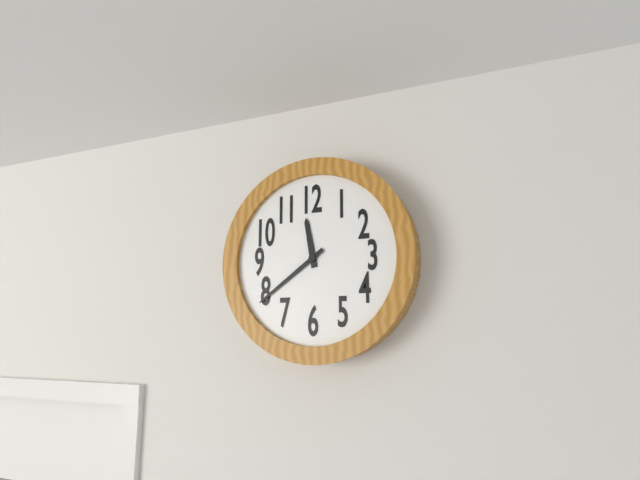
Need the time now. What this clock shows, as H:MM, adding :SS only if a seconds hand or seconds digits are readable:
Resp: 11:39
